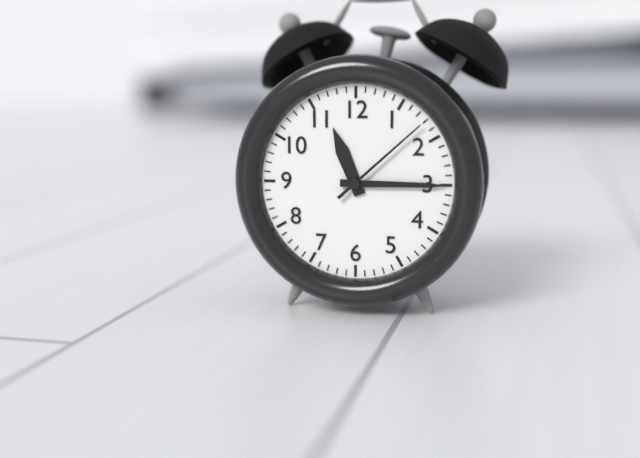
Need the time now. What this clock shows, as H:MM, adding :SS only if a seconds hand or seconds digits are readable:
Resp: 11:15:08
